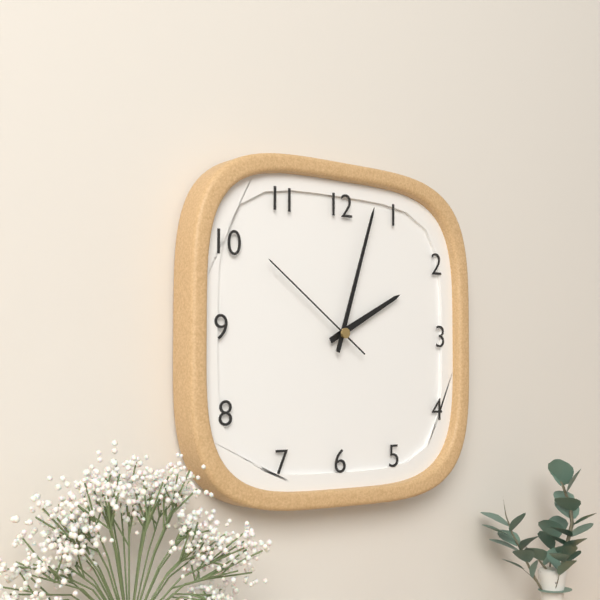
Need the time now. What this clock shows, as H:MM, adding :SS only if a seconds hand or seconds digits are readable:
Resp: 2:03:51
